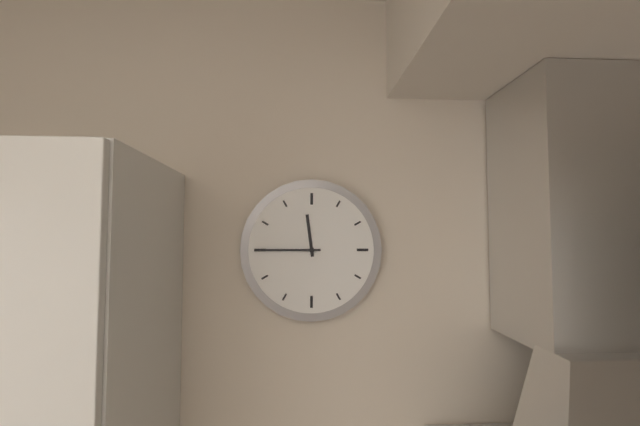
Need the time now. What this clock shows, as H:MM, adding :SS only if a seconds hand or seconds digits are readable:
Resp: 11:45
